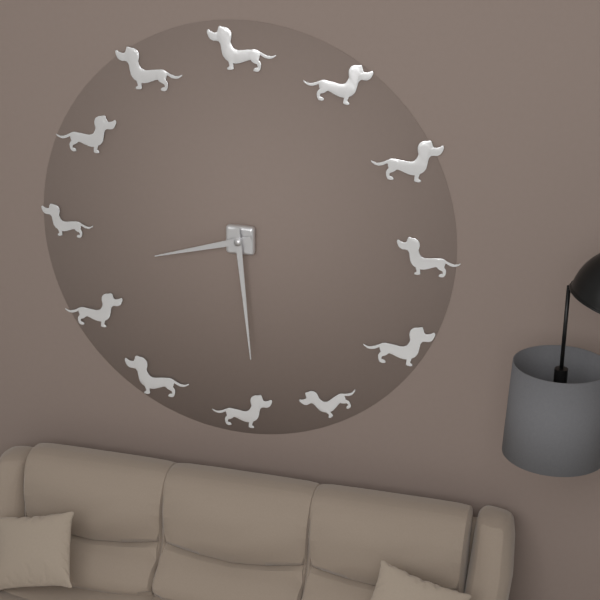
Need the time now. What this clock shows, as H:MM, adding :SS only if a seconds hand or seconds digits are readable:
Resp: 8:29
